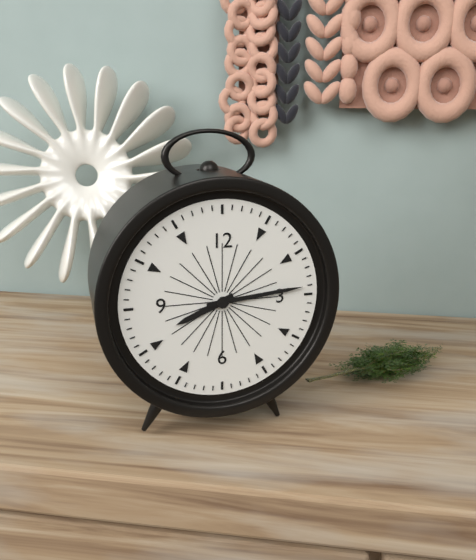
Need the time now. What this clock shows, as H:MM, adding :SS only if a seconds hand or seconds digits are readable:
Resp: 8:14
